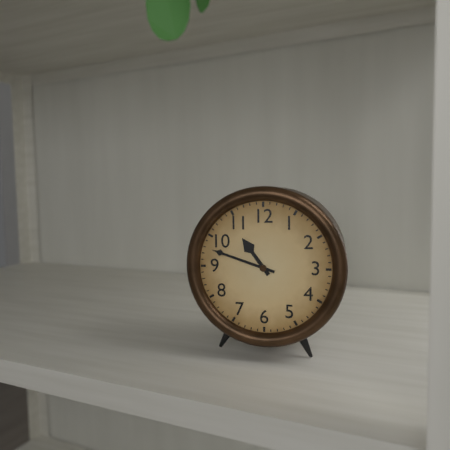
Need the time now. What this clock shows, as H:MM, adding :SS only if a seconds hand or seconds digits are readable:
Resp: 10:48
